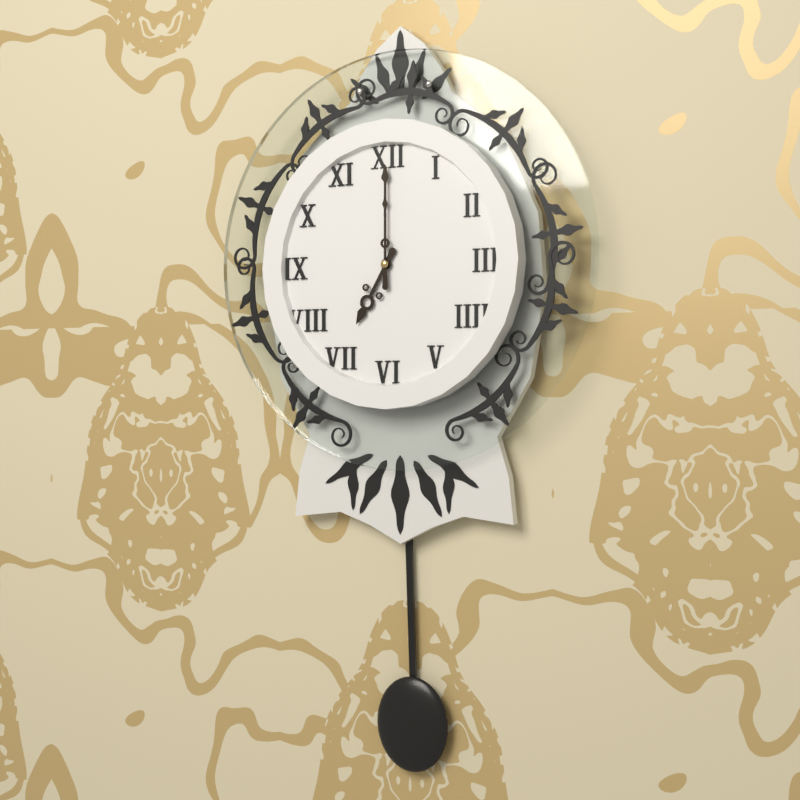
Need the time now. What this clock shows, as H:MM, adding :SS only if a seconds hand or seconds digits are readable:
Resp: 7:00
